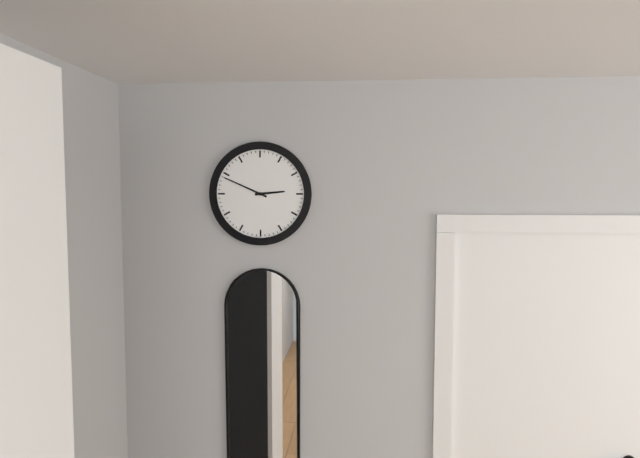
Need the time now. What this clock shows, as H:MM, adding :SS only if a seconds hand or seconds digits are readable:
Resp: 2:49
